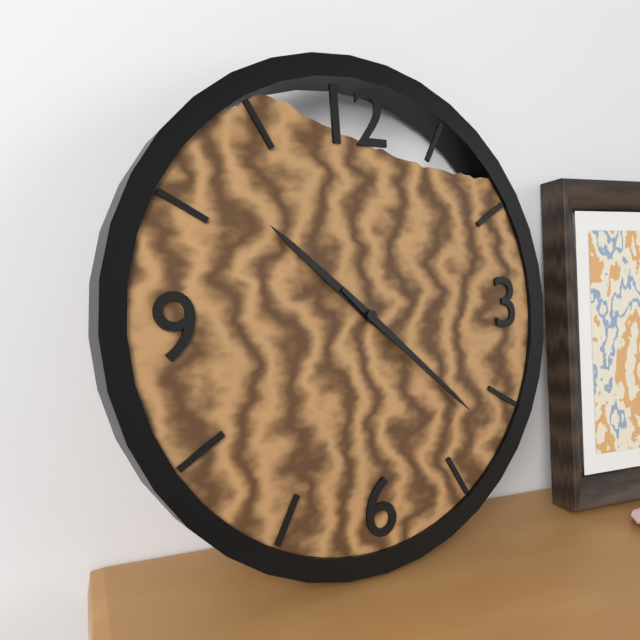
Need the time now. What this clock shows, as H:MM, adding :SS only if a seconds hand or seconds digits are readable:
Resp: 10:22
